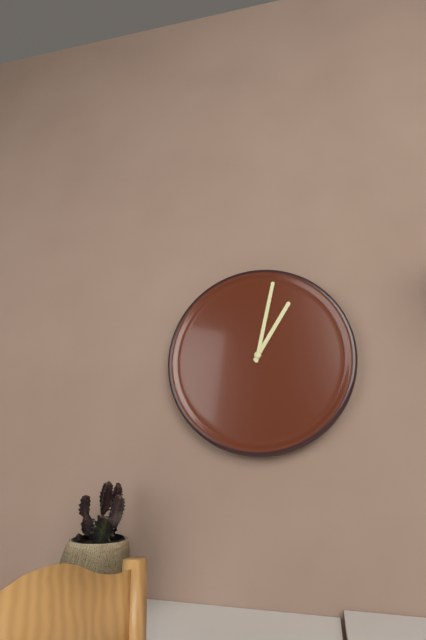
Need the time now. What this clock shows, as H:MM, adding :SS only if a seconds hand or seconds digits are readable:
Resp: 1:02
